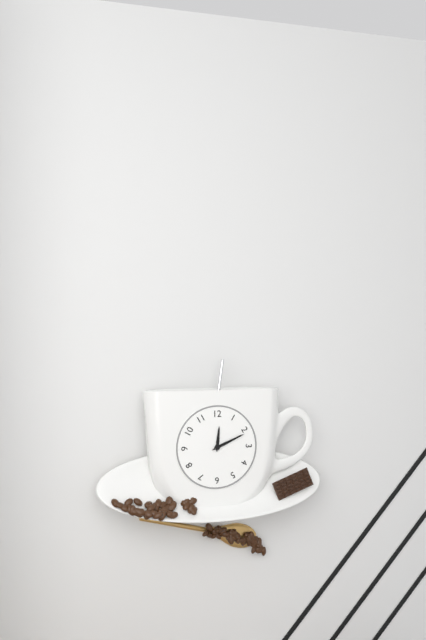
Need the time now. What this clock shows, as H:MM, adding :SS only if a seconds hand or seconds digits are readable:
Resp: 12:11
